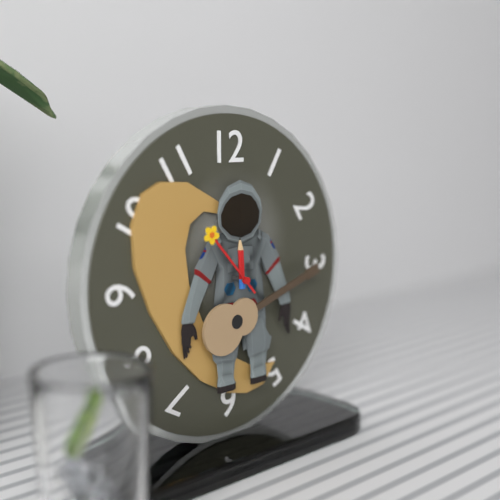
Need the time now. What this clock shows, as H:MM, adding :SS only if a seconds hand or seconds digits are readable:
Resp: 11:53
